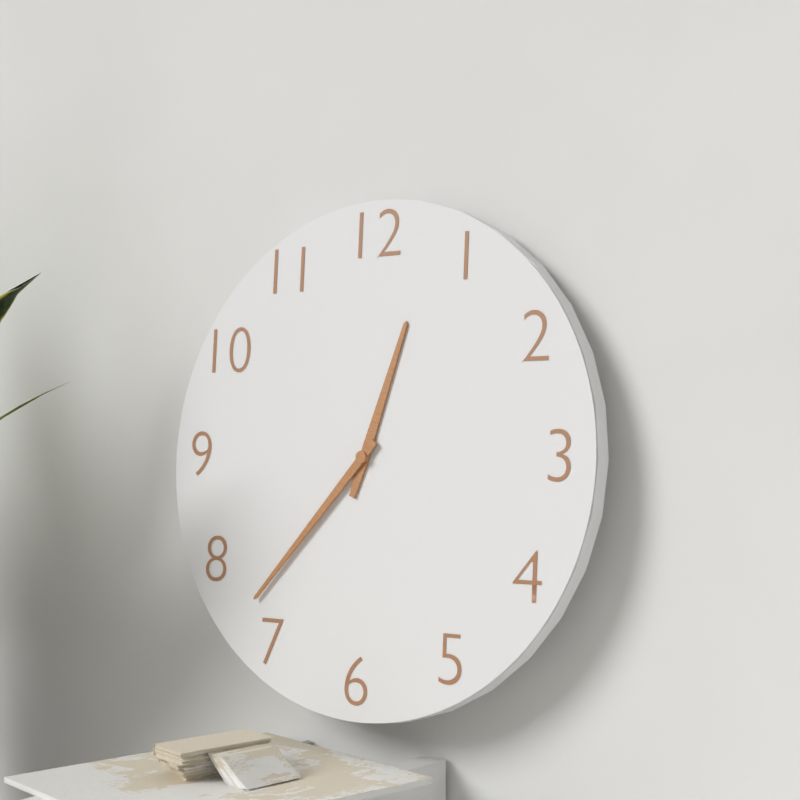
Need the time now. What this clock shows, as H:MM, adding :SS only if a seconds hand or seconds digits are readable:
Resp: 12:37
